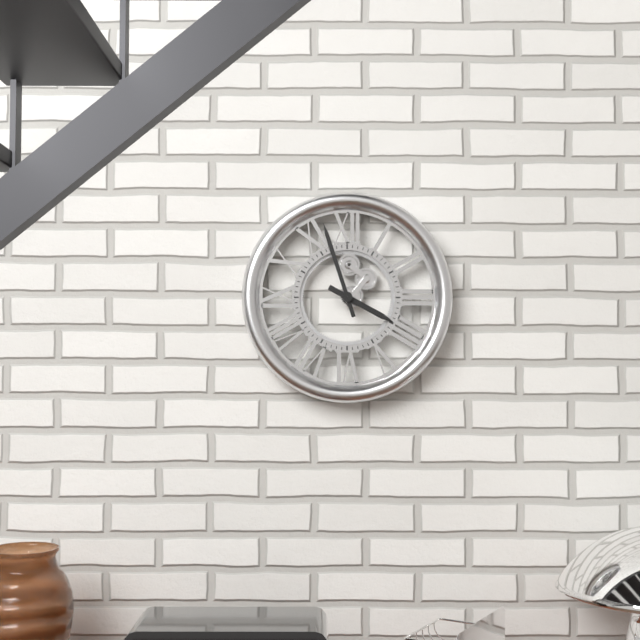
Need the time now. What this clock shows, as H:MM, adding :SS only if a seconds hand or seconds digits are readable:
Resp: 3:57
